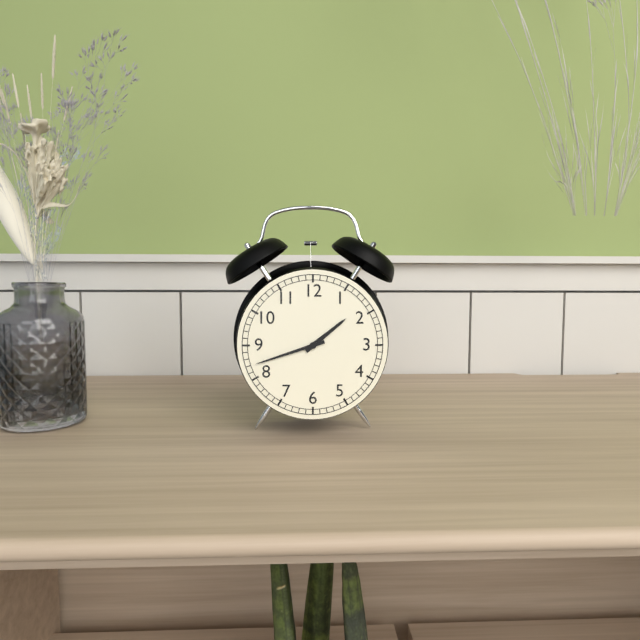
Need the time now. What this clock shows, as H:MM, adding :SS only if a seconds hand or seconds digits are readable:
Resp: 1:42
